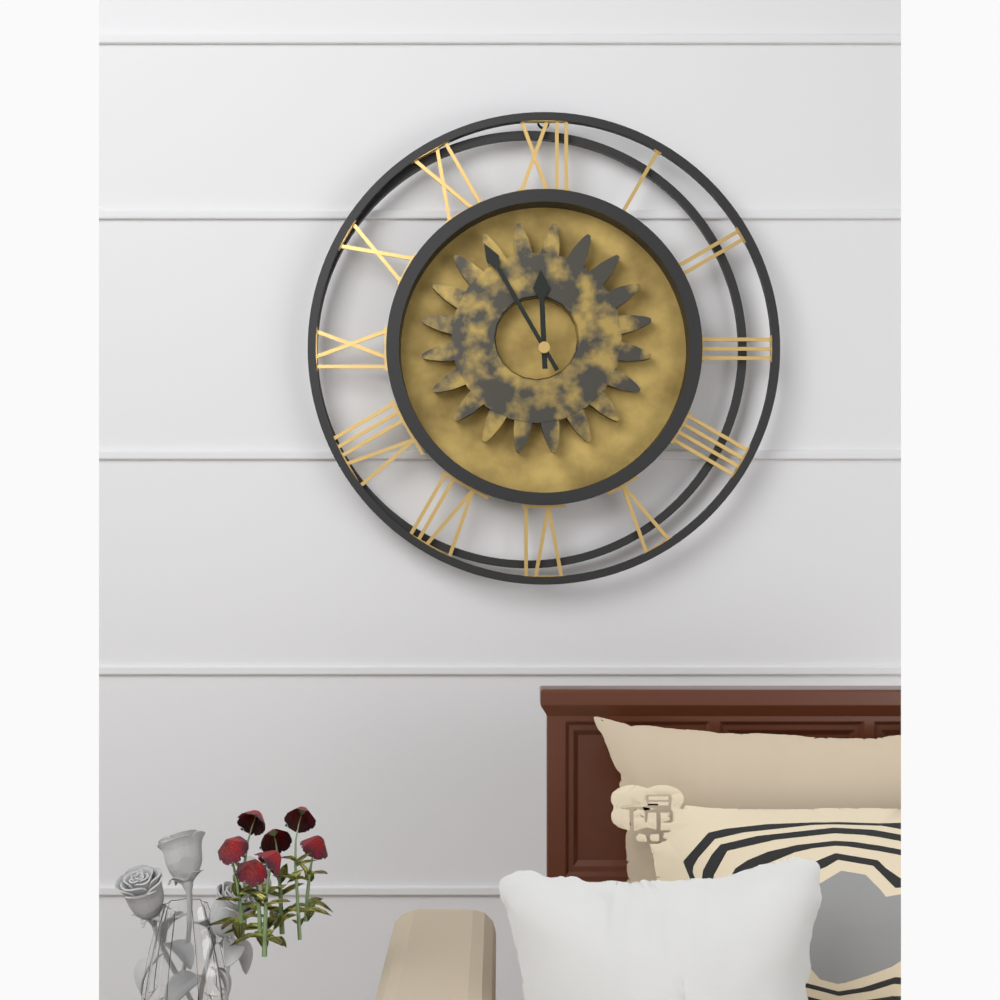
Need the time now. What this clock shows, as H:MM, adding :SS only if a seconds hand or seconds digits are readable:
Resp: 11:55
